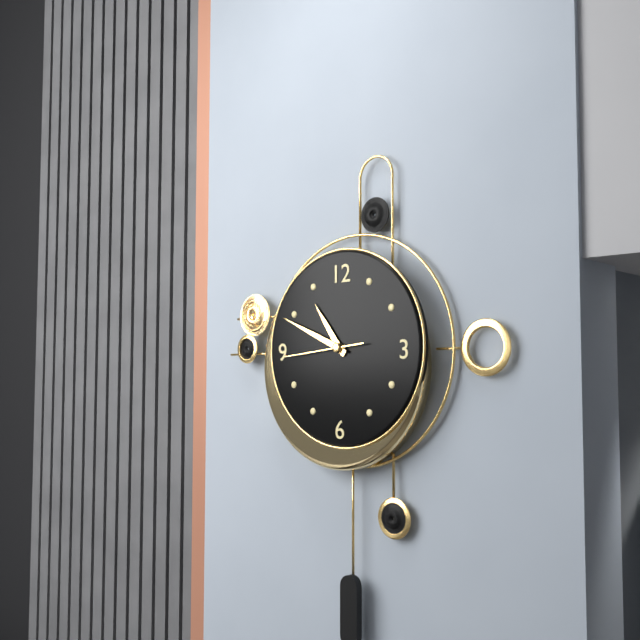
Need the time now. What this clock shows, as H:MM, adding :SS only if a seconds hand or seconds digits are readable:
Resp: 10:49:44
